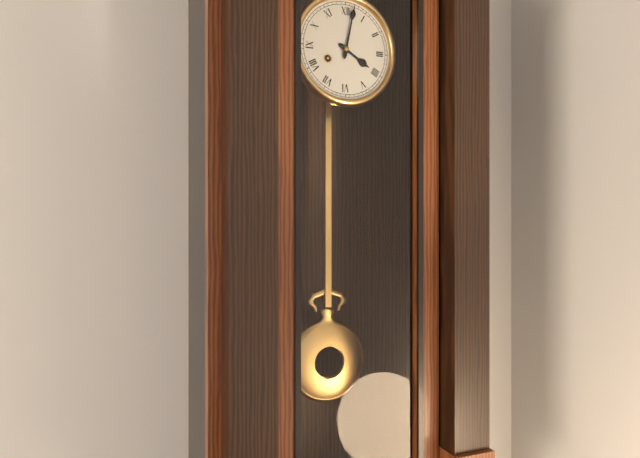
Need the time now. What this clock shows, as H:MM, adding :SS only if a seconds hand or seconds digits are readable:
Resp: 4:02
